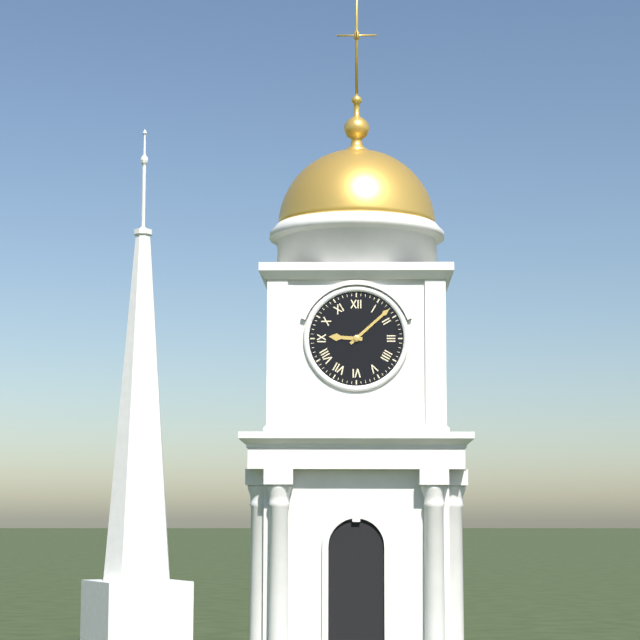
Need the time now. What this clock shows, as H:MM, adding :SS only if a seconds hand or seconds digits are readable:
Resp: 9:08
